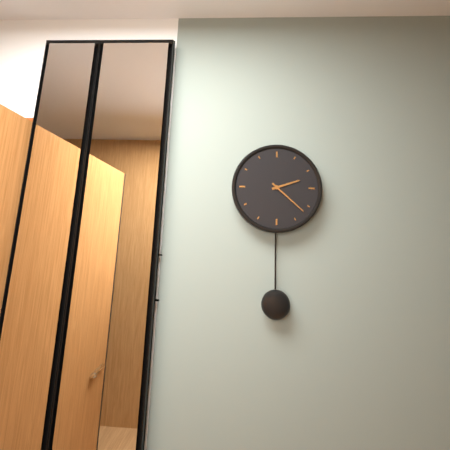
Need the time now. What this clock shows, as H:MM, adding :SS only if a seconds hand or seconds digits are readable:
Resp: 2:22
